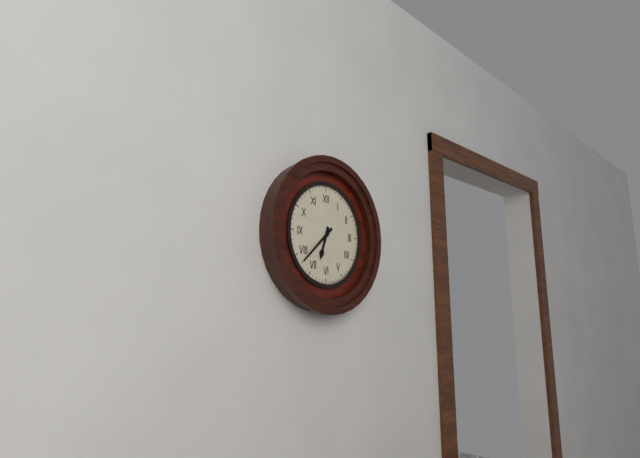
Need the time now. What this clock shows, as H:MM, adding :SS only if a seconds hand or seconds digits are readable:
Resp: 6:38
